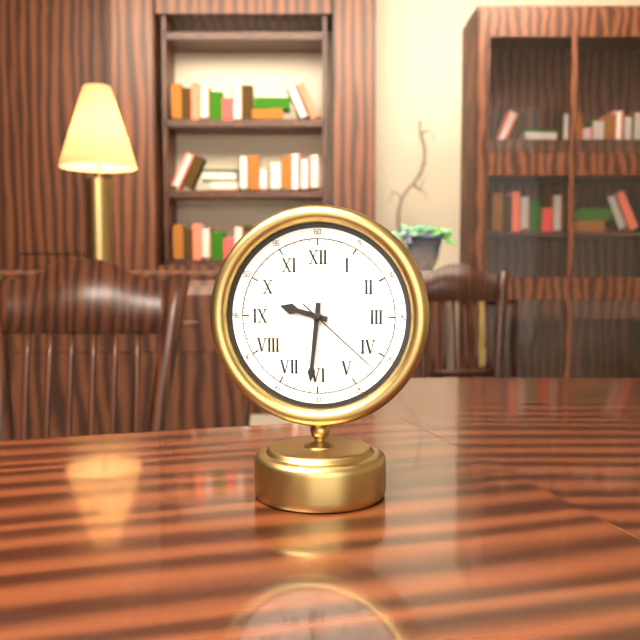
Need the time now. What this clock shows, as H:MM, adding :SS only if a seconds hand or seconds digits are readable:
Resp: 9:31:22
